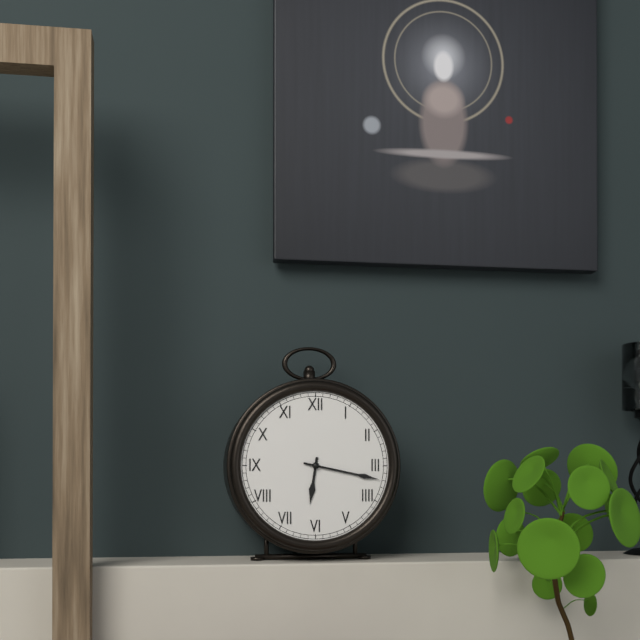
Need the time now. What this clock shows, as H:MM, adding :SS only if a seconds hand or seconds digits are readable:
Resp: 6:17
